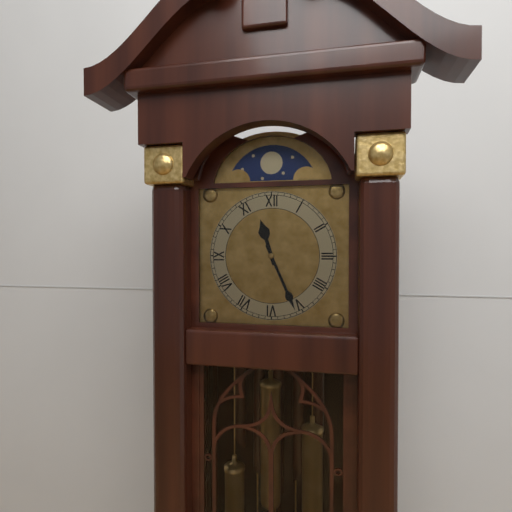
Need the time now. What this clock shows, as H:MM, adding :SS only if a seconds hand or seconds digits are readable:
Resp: 11:26
